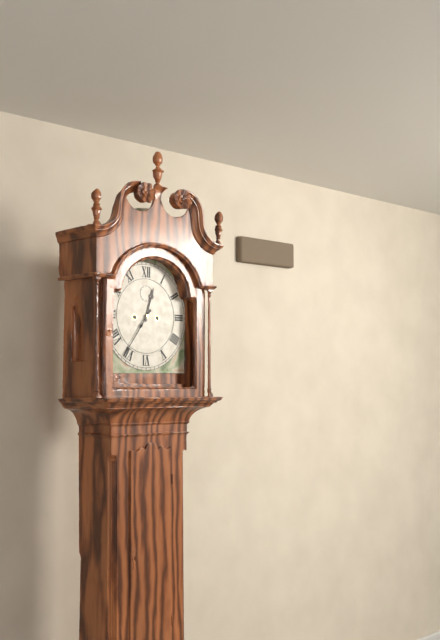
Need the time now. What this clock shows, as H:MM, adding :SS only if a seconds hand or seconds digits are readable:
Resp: 12:36
